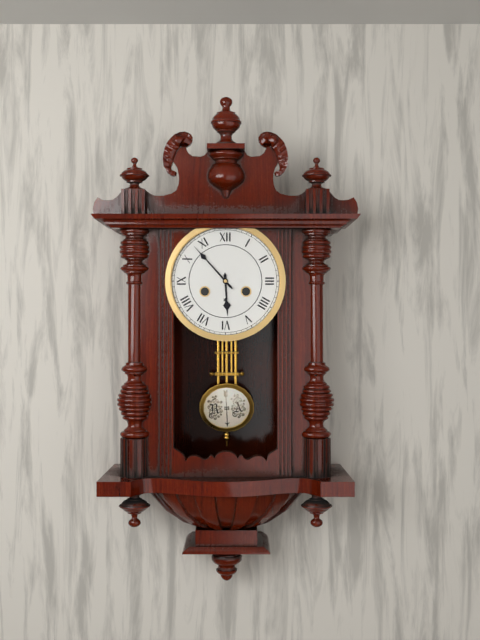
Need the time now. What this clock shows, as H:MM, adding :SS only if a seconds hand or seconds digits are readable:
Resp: 5:53
